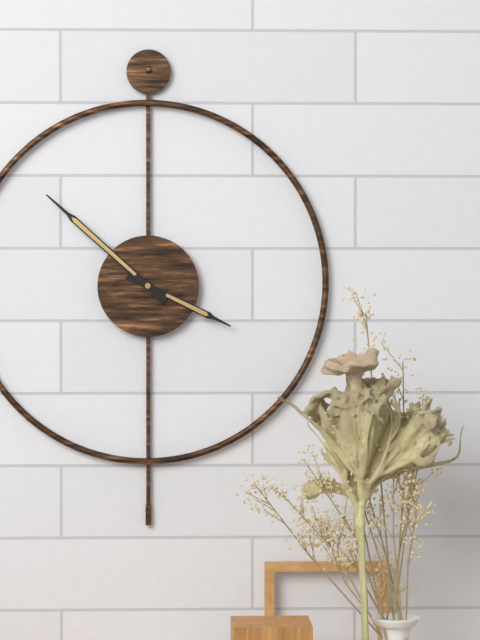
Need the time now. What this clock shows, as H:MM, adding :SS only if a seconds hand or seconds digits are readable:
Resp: 3:52
